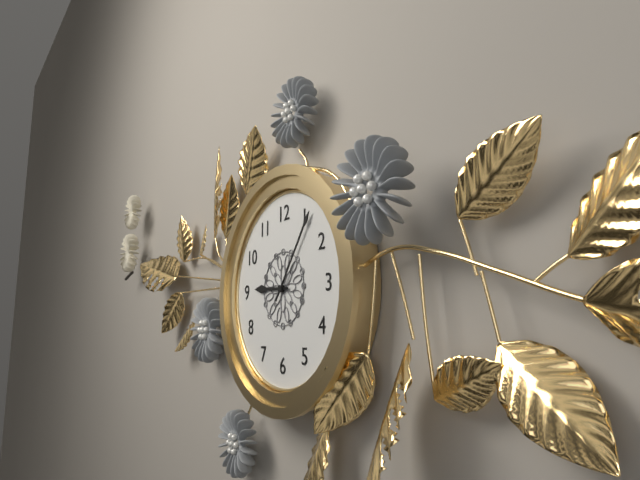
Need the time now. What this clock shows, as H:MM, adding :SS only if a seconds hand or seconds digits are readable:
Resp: 9:06
